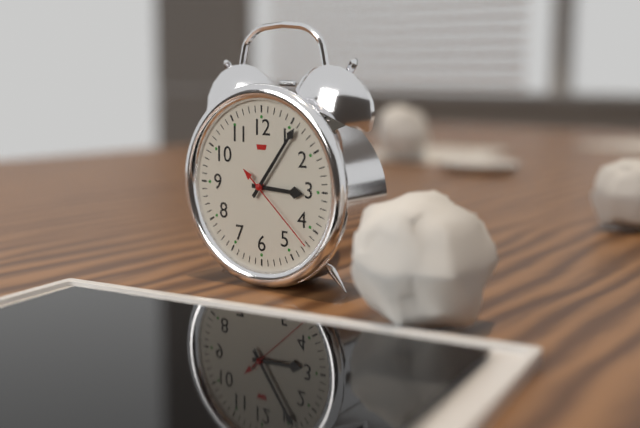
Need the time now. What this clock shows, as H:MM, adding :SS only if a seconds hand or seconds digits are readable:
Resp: 3:06:22
